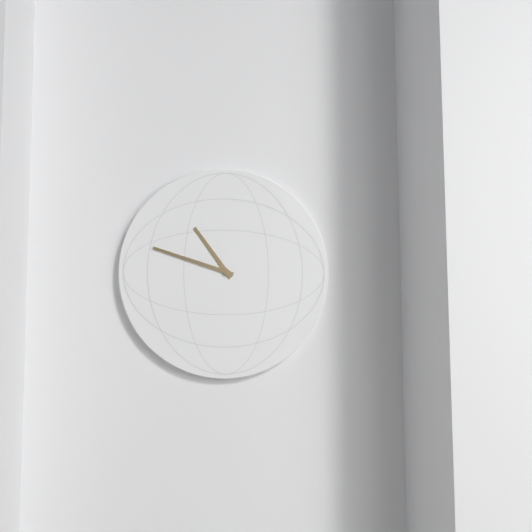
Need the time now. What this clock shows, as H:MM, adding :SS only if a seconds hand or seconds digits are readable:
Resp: 10:48
